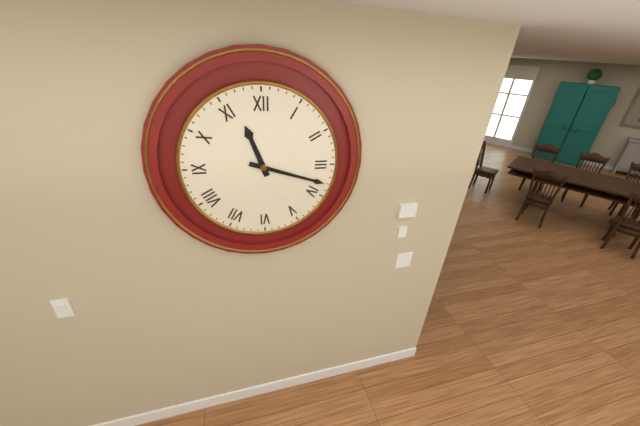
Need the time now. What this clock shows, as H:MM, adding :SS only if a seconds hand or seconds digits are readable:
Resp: 11:18
